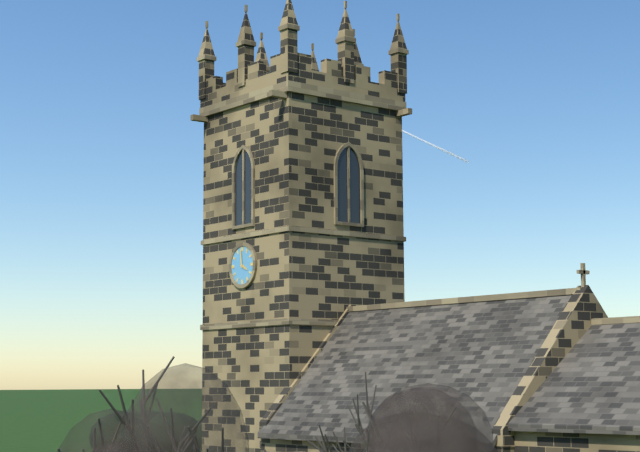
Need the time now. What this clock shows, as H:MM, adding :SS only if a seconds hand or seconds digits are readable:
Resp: 3:59
